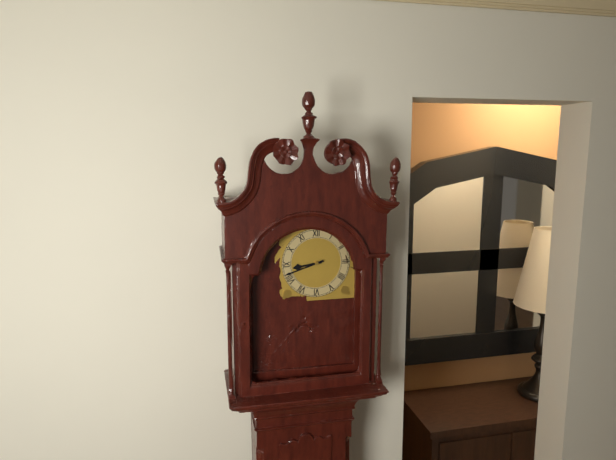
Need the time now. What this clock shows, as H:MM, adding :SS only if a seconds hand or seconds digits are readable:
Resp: 8:42
